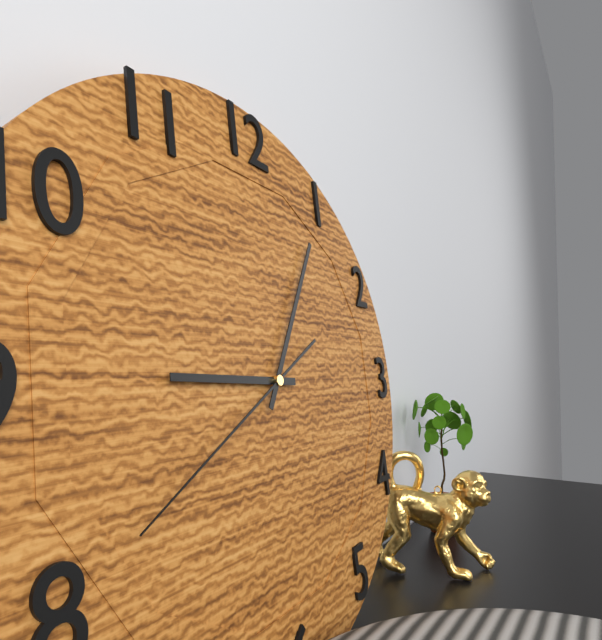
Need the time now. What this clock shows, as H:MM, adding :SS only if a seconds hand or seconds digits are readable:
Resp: 9:05:40
